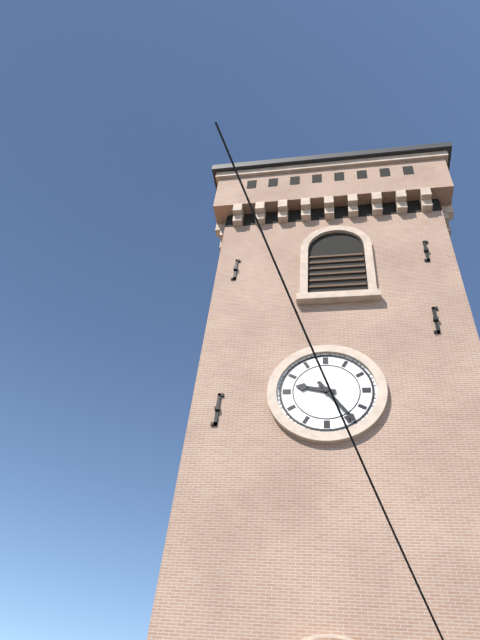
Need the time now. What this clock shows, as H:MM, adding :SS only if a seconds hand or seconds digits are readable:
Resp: 9:24
